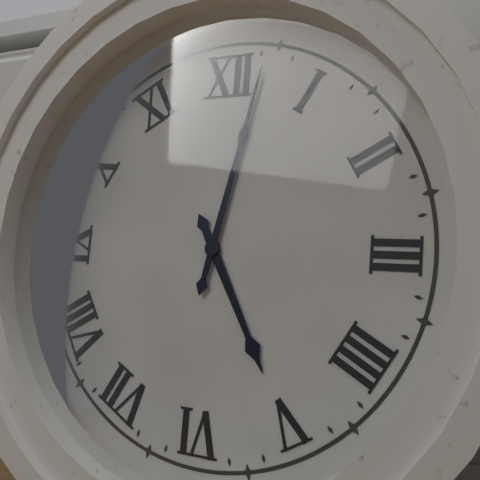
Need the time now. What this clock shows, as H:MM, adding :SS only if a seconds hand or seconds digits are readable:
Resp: 5:02
